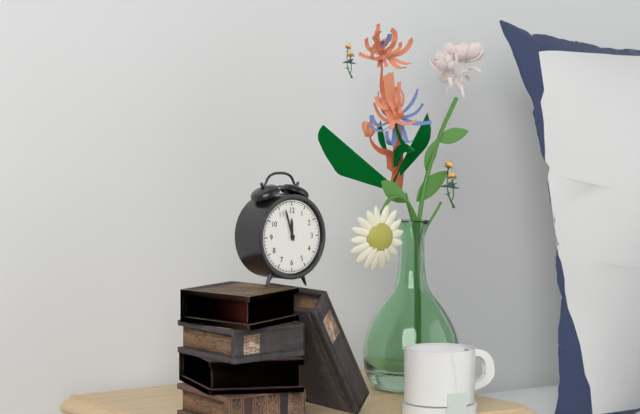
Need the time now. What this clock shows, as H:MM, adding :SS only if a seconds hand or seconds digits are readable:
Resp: 11:57
